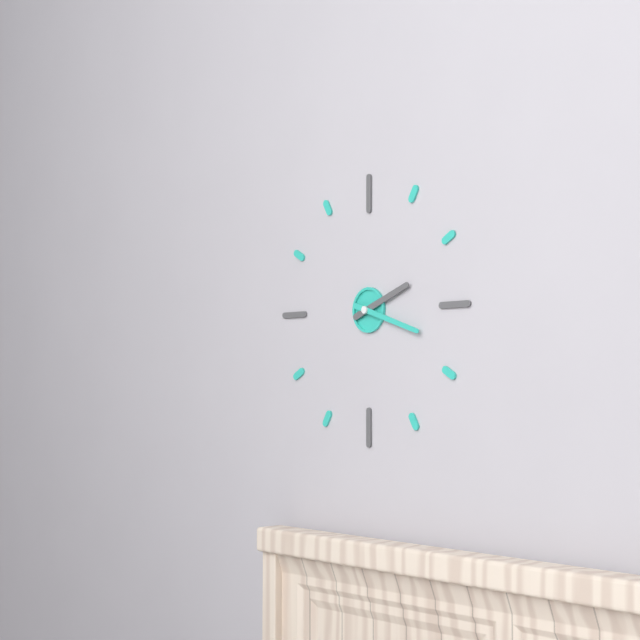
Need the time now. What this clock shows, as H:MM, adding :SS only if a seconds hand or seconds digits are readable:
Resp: 2:18
